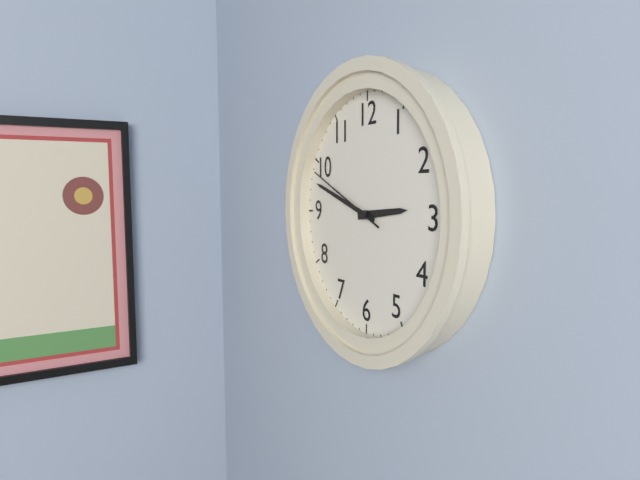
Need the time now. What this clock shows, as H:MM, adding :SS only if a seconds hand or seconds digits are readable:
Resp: 2:48:49
